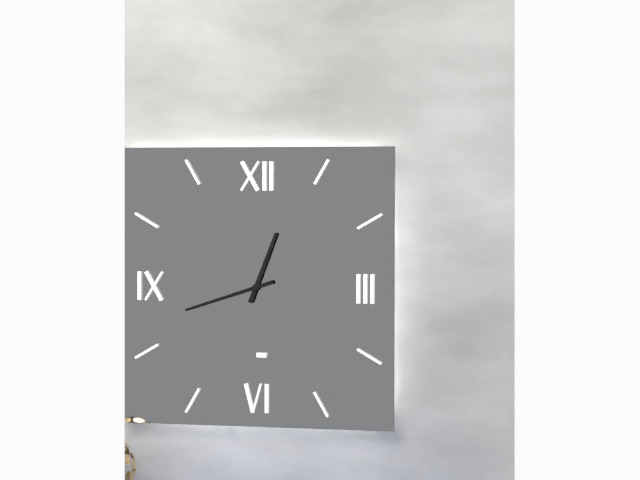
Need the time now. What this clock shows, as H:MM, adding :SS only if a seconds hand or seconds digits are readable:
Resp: 12:42
